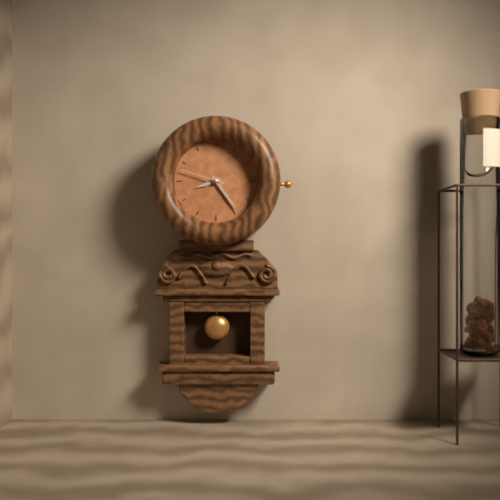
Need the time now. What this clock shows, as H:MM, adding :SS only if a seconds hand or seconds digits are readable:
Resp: 8:24
